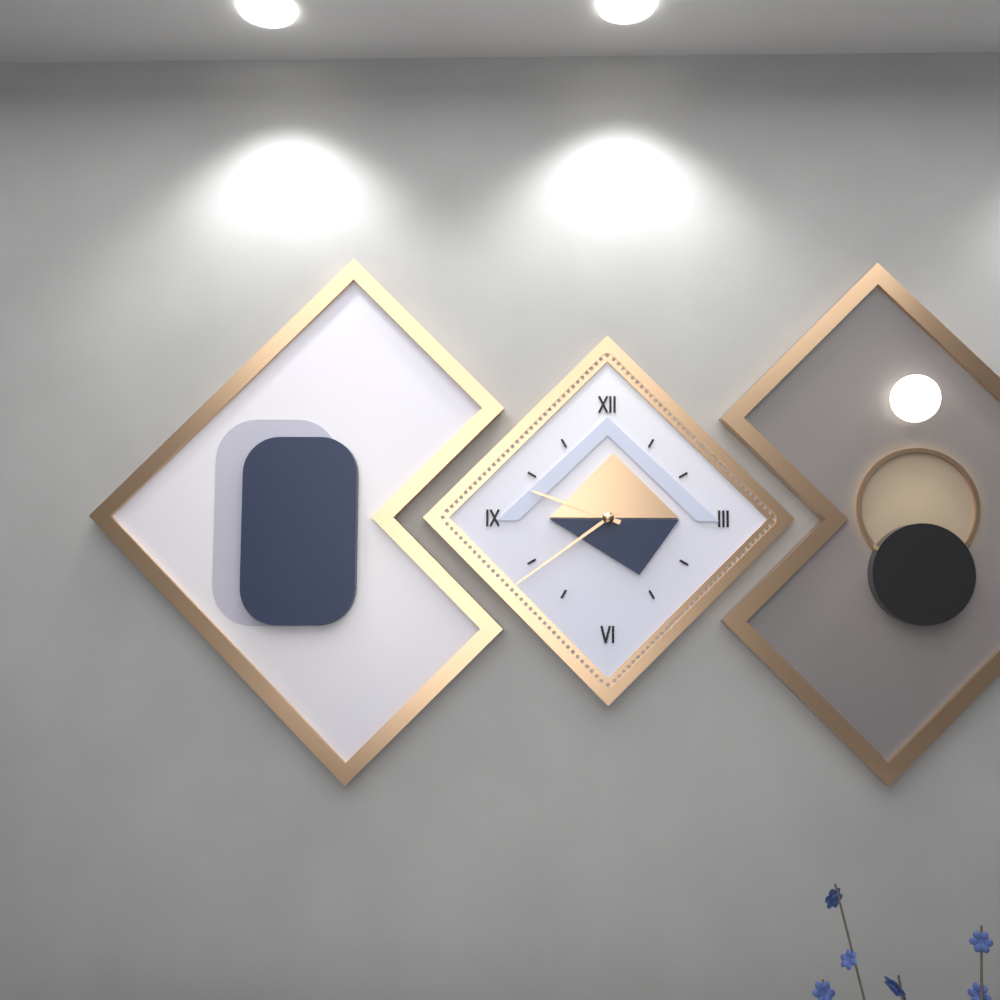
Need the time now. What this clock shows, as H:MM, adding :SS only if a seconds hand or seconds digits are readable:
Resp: 9:39
